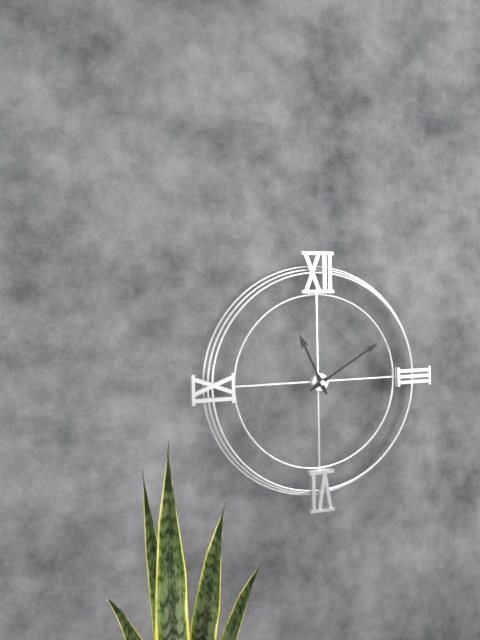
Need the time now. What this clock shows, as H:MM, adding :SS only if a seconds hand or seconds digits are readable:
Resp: 11:10
